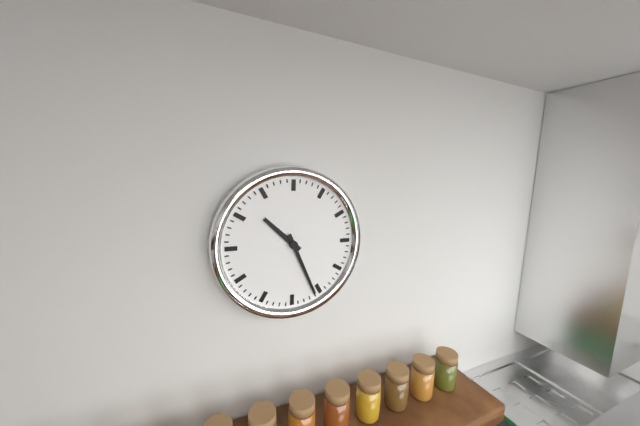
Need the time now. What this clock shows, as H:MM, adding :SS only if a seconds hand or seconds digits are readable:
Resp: 10:26
